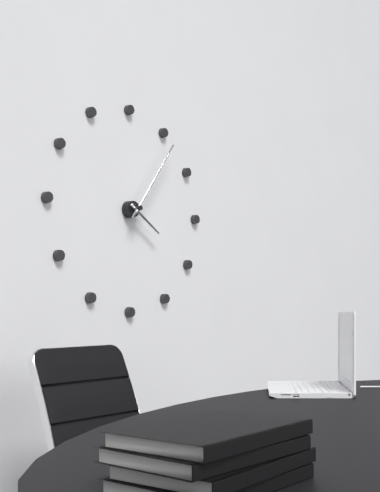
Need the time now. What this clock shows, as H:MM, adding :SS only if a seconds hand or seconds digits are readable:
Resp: 4:06
